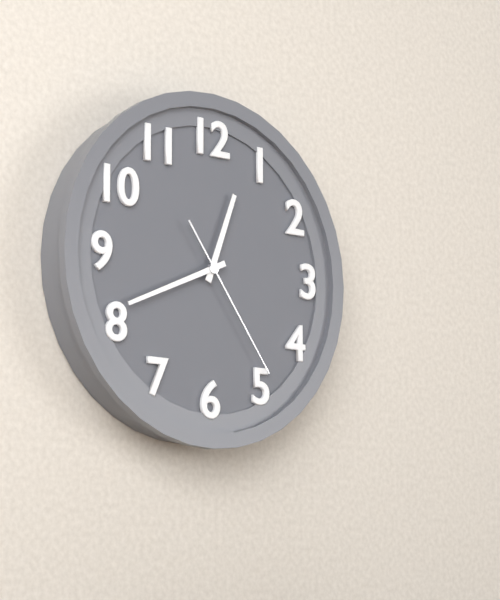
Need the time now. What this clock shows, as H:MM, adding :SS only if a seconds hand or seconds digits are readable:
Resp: 12:41:24
